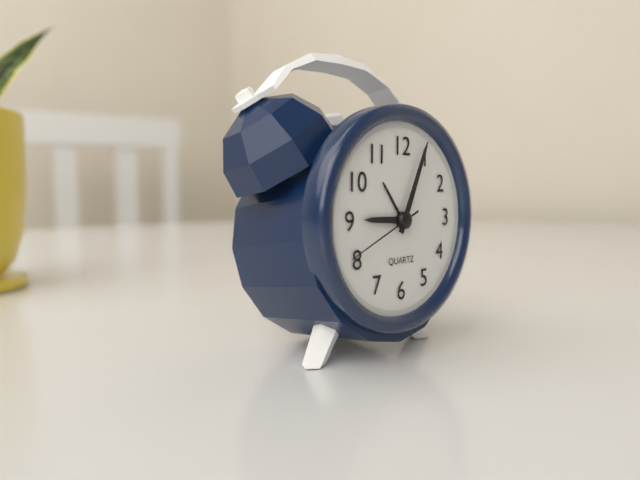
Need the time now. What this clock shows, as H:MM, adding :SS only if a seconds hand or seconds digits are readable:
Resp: 9:04:41
